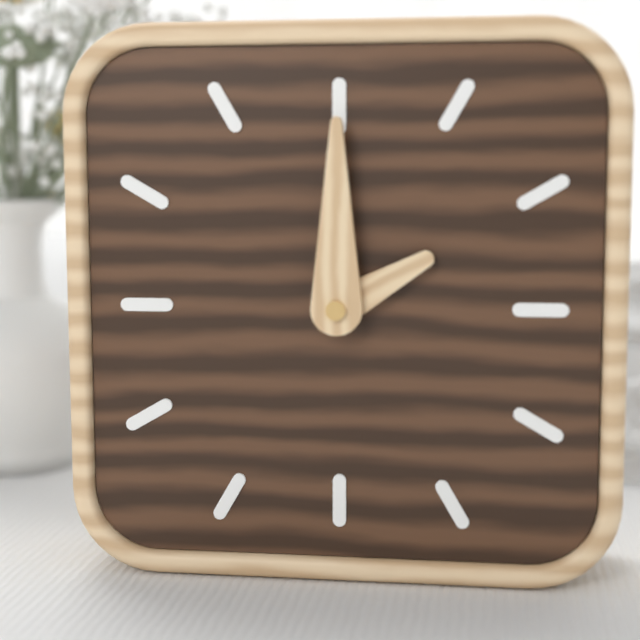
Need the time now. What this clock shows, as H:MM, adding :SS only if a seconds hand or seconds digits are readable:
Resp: 2:00
